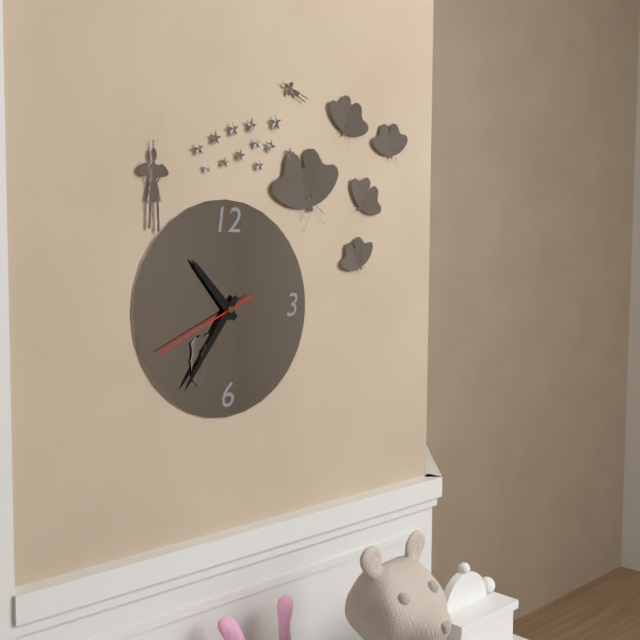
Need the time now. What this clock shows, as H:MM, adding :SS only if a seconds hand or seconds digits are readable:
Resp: 10:36:41
